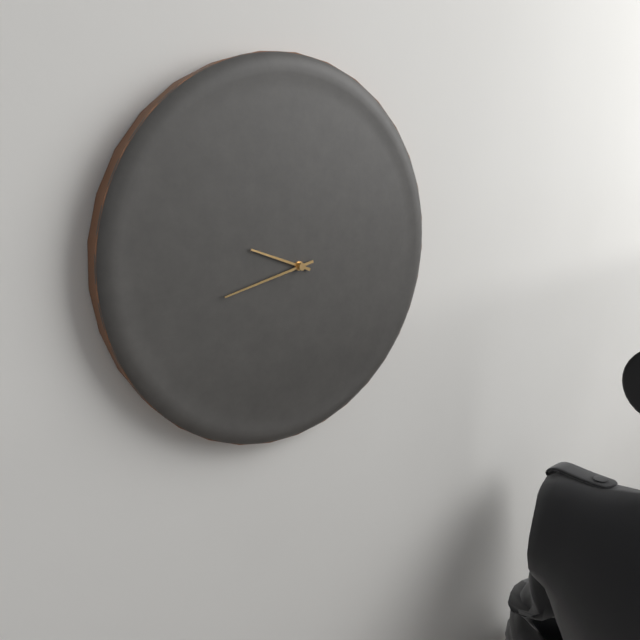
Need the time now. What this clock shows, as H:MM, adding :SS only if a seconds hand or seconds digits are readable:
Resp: 9:43
